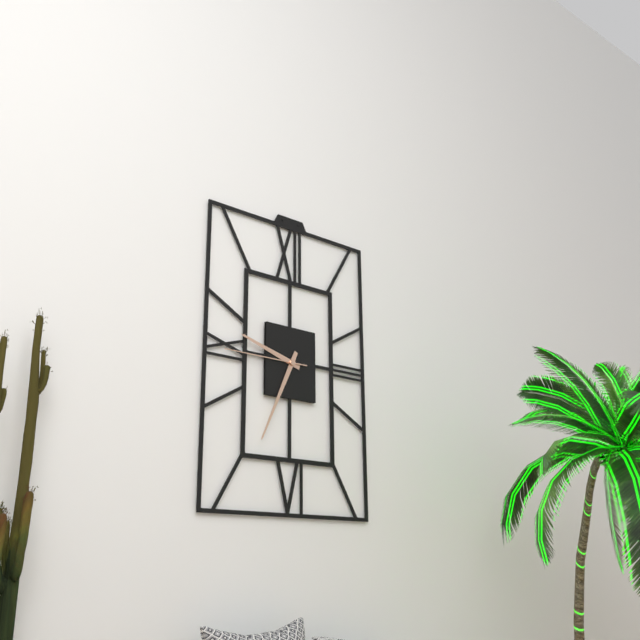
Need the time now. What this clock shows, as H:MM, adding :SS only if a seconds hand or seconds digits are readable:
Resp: 9:34:45
